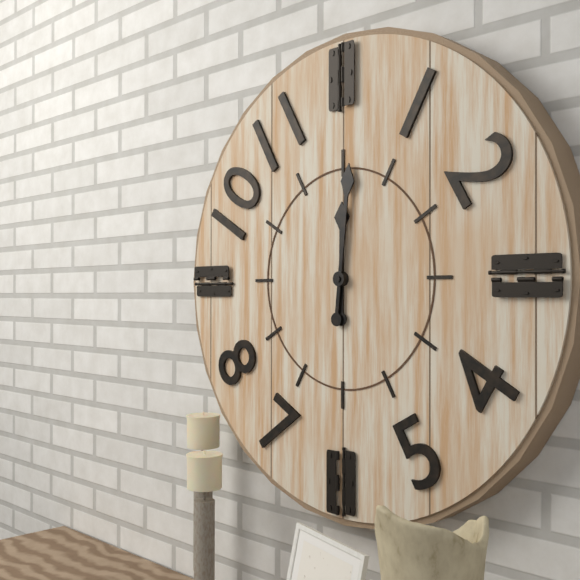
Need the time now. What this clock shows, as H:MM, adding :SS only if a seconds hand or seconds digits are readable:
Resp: 12:01
